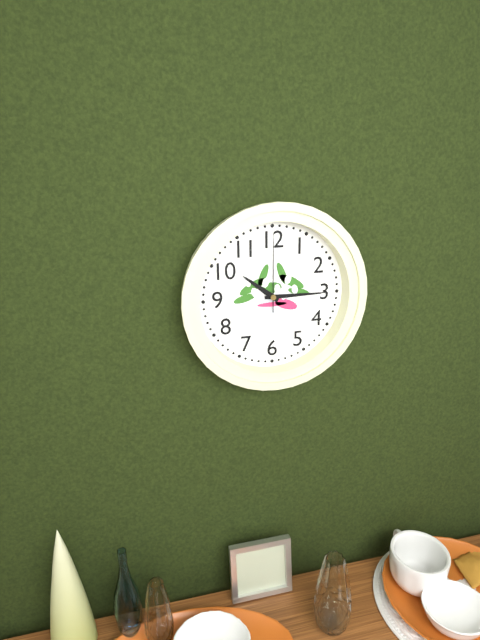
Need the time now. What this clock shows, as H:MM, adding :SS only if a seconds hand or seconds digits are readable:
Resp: 10:15:00
